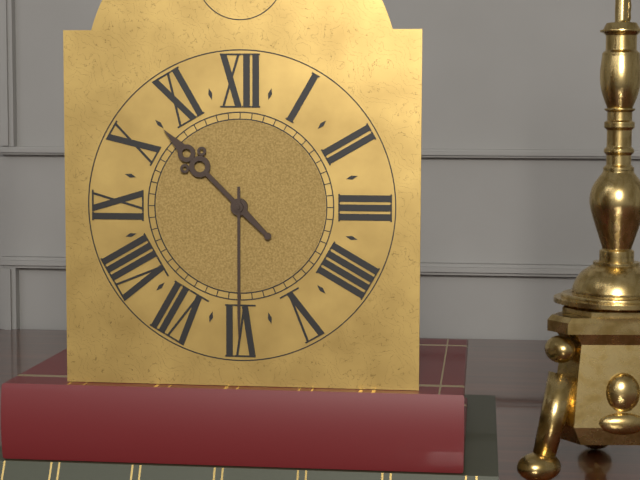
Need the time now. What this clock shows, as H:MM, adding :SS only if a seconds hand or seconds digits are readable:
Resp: 10:30
